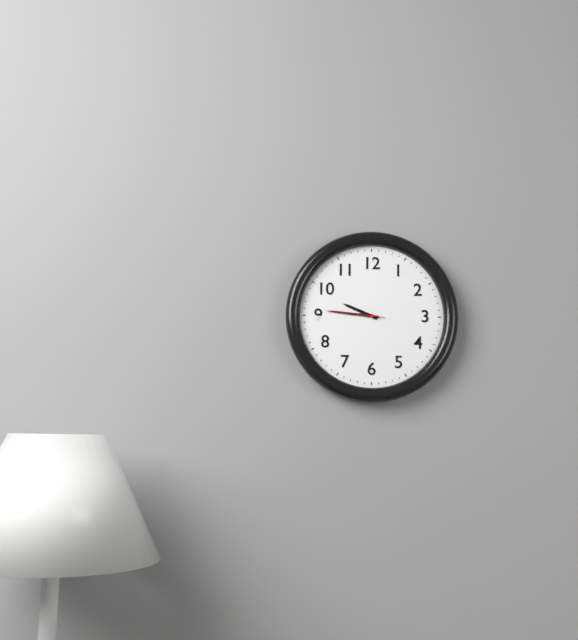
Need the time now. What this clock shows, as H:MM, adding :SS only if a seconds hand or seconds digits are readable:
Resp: 9:46:46
